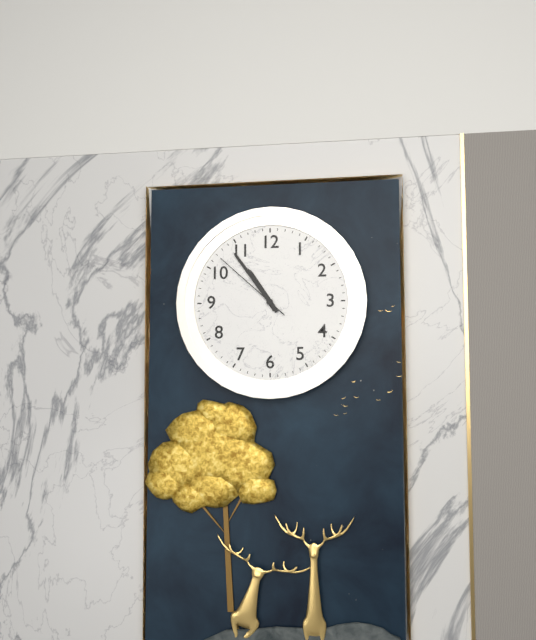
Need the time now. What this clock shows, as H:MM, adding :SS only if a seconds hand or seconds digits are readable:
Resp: 10:54:52
